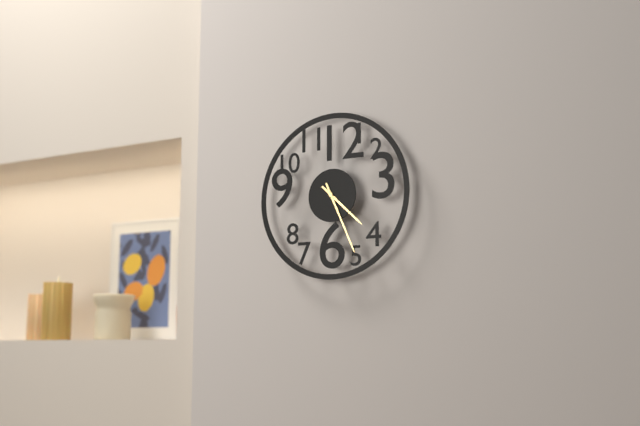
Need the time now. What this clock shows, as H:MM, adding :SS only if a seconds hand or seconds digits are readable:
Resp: 4:26
